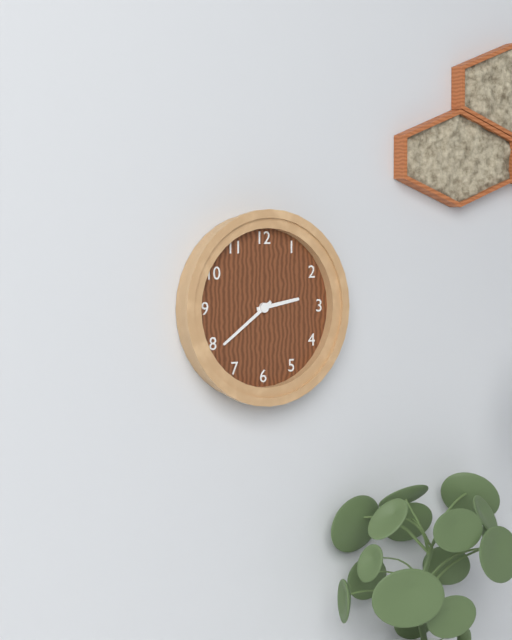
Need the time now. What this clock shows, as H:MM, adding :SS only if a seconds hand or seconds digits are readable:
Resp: 2:39
